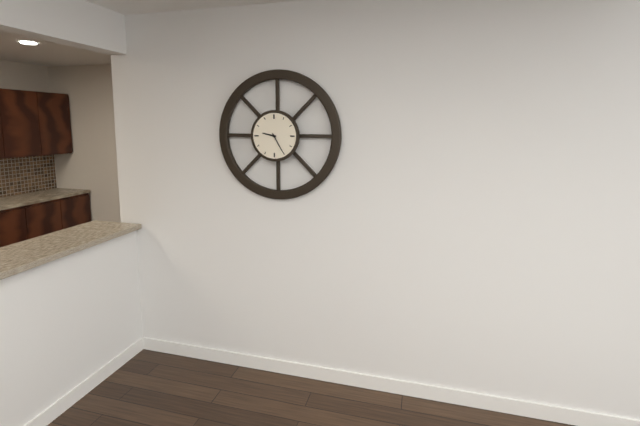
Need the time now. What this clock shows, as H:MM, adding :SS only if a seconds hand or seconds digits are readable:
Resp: 9:25
